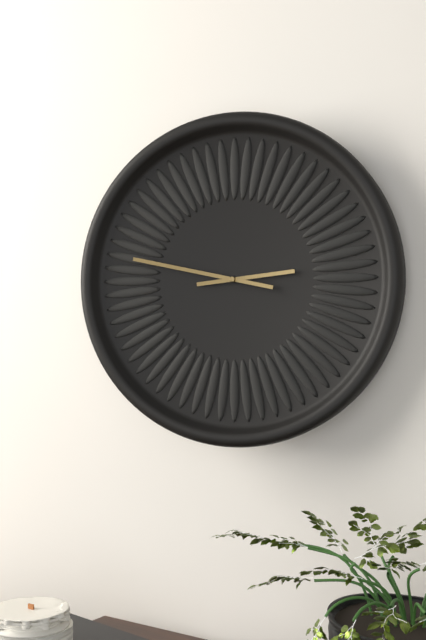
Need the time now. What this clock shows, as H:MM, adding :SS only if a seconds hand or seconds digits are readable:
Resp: 2:47
